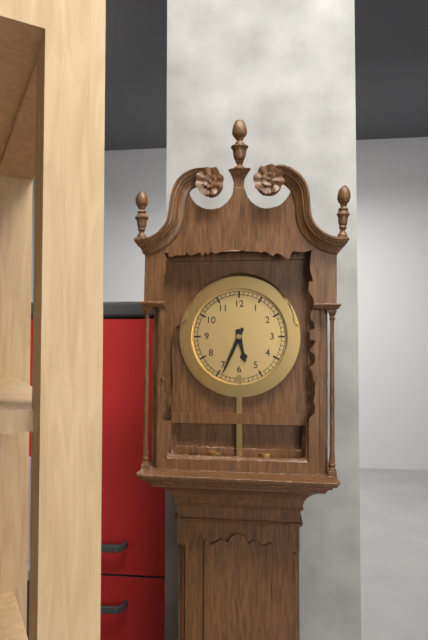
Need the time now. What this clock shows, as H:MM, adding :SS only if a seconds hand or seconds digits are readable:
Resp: 5:34
